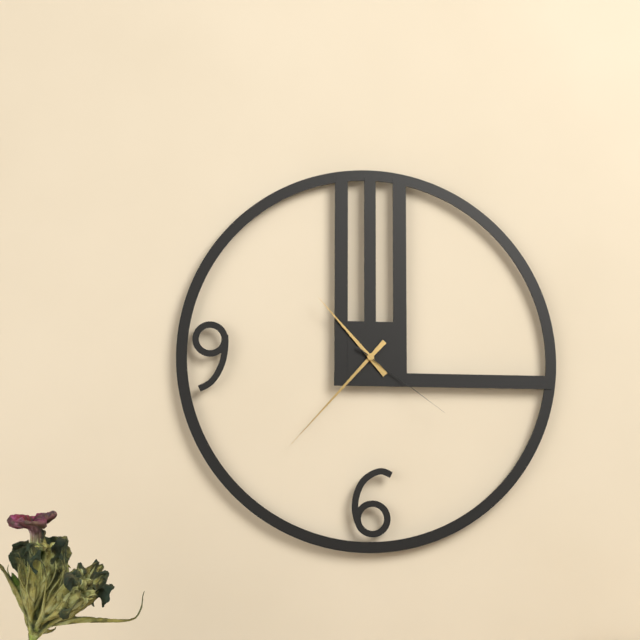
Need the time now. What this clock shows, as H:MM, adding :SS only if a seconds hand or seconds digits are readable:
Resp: 10:37:21
